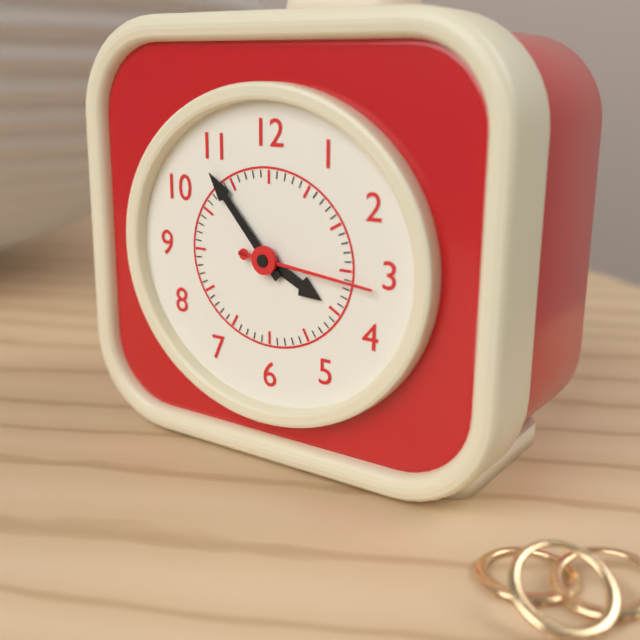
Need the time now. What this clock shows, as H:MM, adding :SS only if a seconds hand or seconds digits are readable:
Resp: 3:53:16
